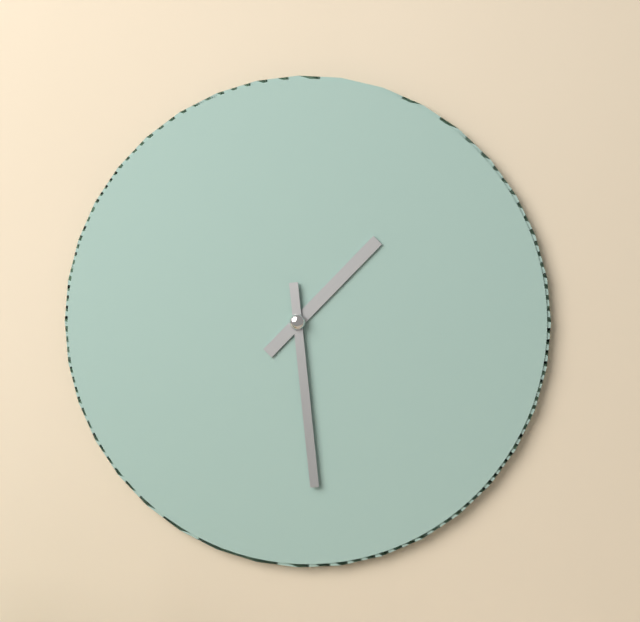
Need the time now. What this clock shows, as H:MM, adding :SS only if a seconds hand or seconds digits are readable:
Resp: 1:29
